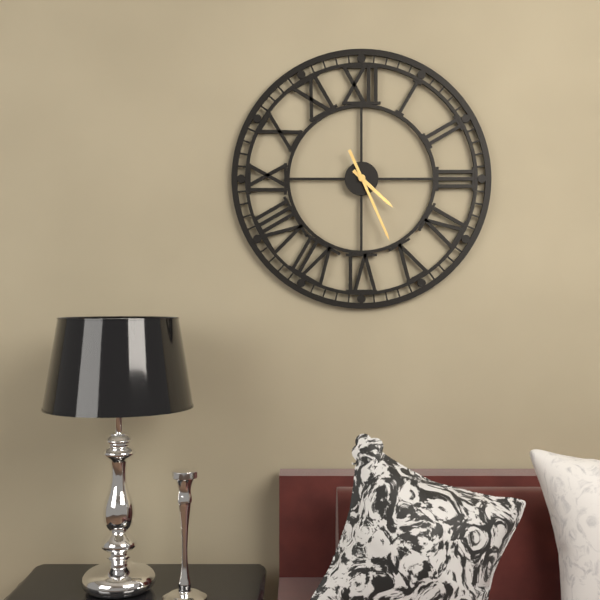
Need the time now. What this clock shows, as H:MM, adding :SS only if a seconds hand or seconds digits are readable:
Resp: 4:26
